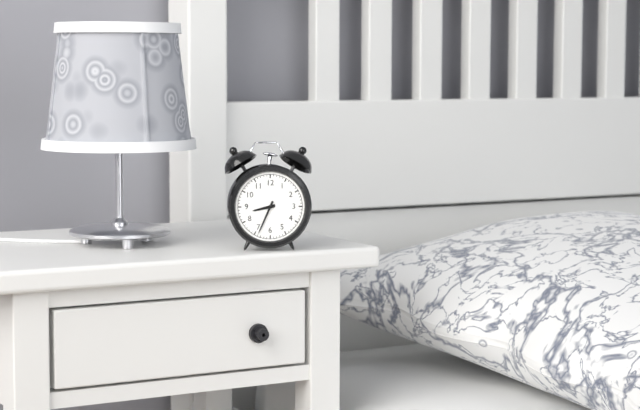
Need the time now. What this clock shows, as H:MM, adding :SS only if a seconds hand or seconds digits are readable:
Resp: 8:34
